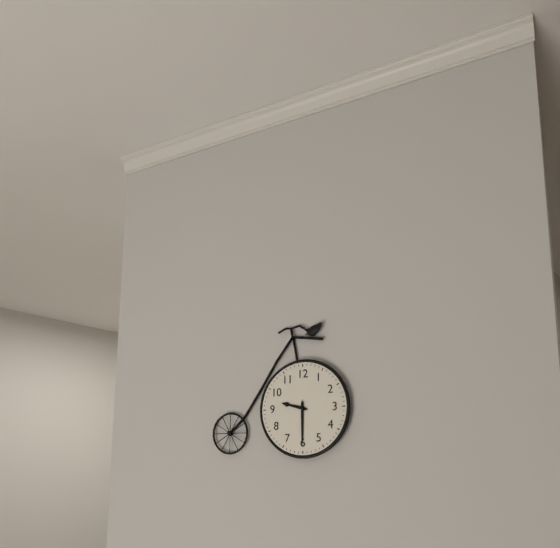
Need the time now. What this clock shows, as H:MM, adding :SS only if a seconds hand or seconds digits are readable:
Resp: 9:30
